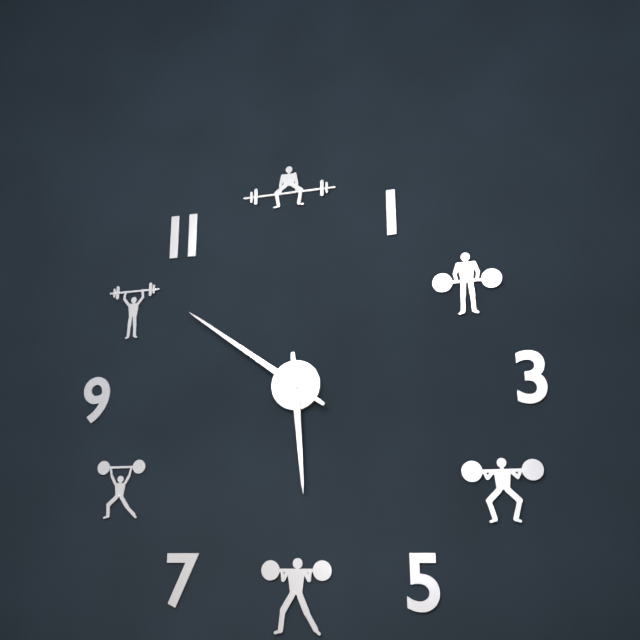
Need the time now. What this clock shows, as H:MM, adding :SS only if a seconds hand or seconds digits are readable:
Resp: 5:51
